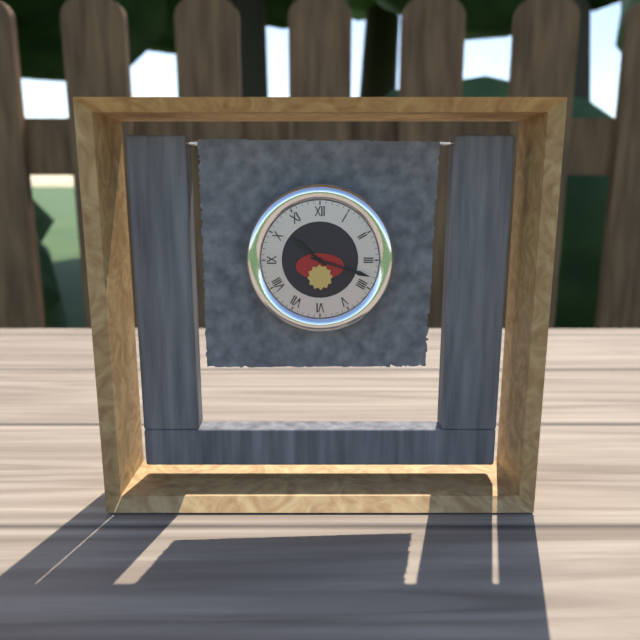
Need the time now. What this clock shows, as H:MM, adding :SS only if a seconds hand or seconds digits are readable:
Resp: 10:18
